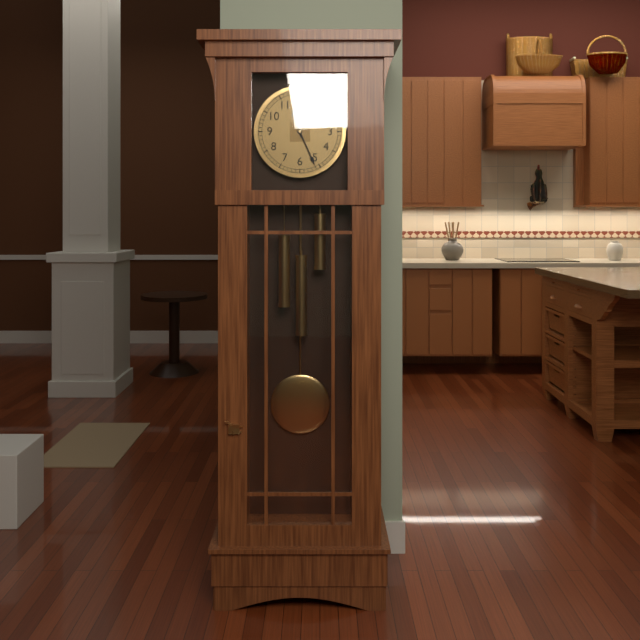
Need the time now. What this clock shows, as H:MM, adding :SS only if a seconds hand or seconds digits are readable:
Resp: 11:26
